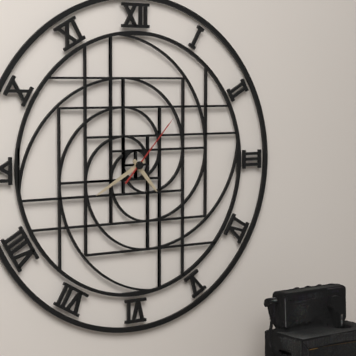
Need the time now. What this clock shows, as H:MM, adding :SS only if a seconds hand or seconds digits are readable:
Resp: 4:40:07
